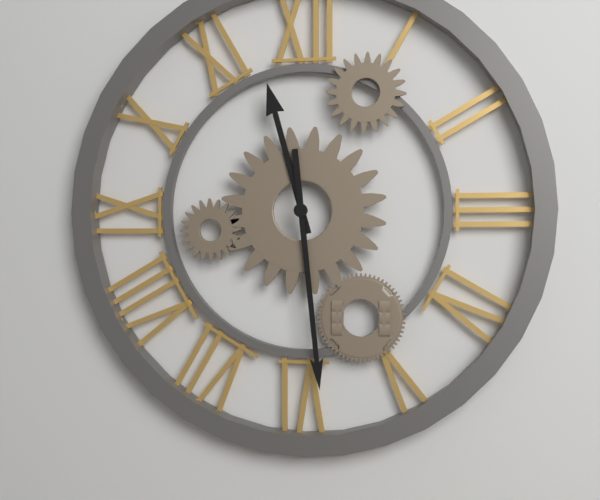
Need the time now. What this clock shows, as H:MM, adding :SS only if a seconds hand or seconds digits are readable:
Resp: 11:29
